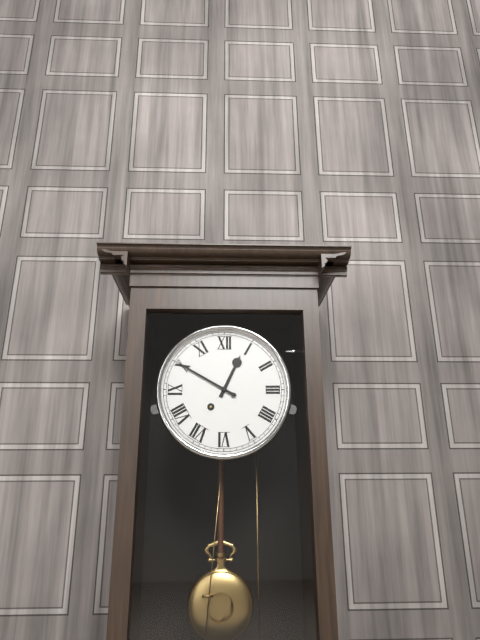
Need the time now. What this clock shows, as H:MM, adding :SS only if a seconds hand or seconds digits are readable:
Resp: 12:50
